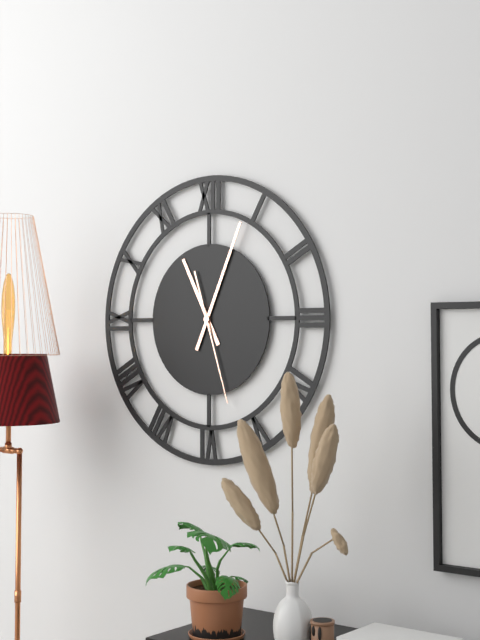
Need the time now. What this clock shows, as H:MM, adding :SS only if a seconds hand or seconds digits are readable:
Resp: 11:04:27
